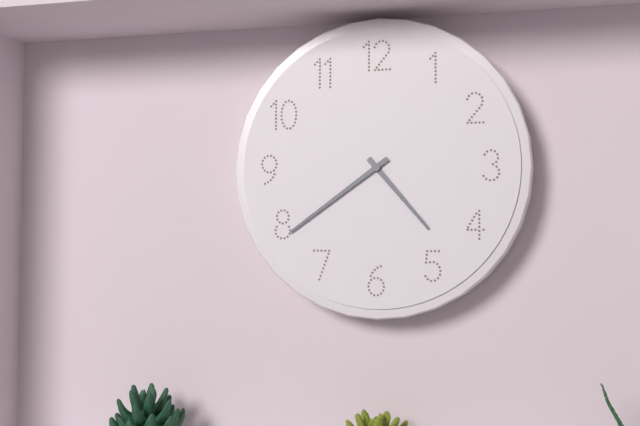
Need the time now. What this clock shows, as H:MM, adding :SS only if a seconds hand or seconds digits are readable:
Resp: 4:39
